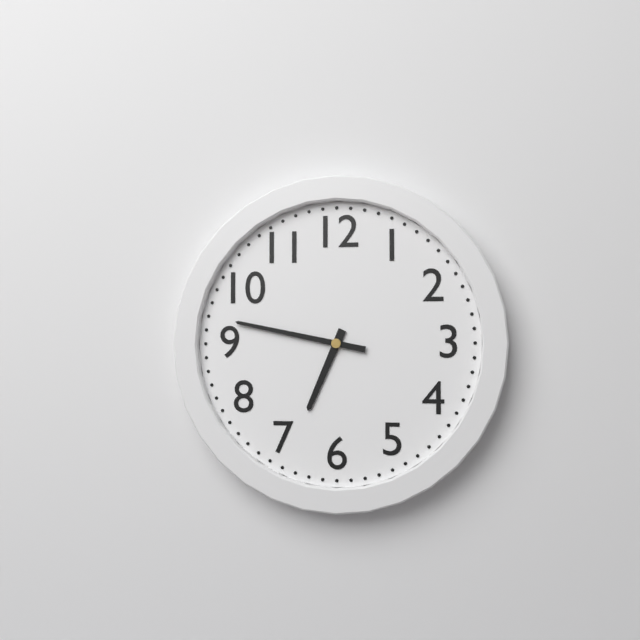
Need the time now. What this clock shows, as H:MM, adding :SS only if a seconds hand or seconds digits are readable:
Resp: 6:47
